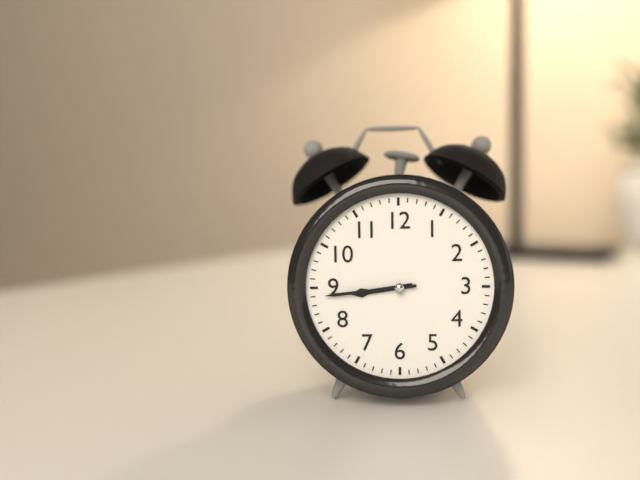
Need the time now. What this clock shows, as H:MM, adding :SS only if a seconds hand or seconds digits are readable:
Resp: 8:44
